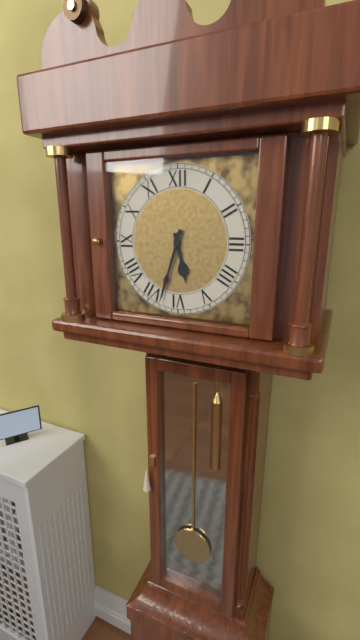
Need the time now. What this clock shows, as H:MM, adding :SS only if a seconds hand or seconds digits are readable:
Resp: 5:33
